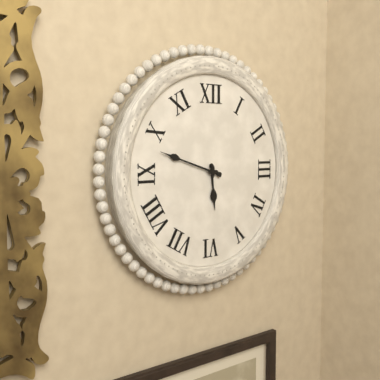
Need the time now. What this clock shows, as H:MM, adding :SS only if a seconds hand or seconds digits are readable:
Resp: 5:48
